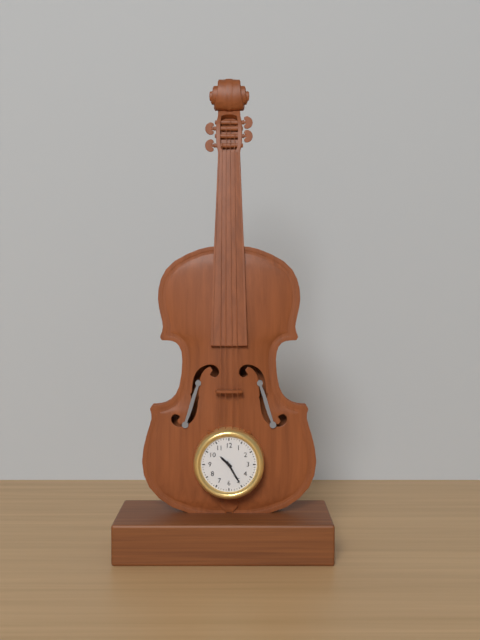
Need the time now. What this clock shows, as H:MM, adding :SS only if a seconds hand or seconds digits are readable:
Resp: 10:25
